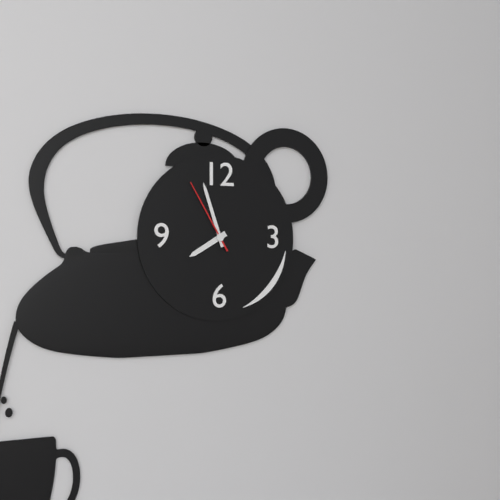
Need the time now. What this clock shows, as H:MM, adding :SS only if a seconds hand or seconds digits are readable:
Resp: 7:57:55
